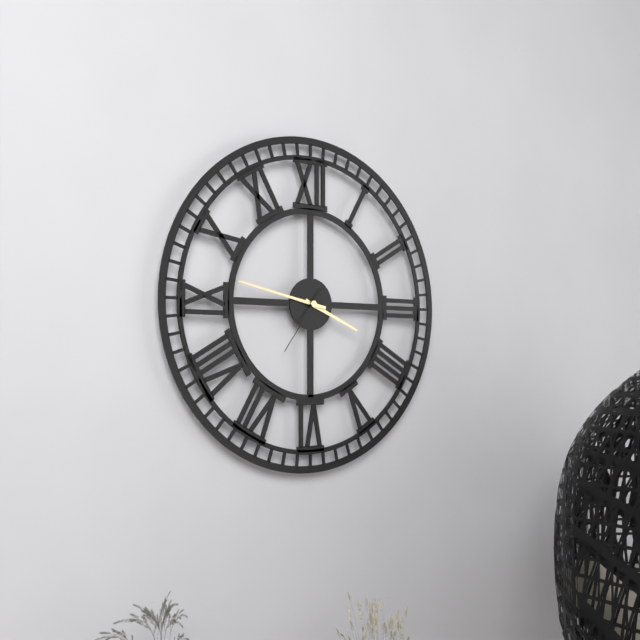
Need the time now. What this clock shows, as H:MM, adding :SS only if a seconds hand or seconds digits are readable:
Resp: 3:47:36
